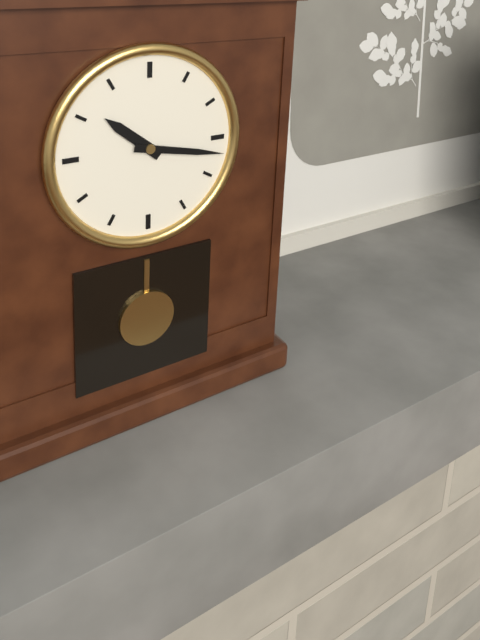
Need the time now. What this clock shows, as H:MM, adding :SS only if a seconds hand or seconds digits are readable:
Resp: 10:17
